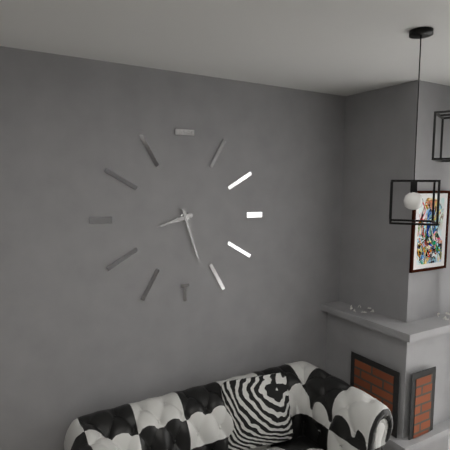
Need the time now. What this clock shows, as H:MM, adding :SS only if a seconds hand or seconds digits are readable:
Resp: 8:27
